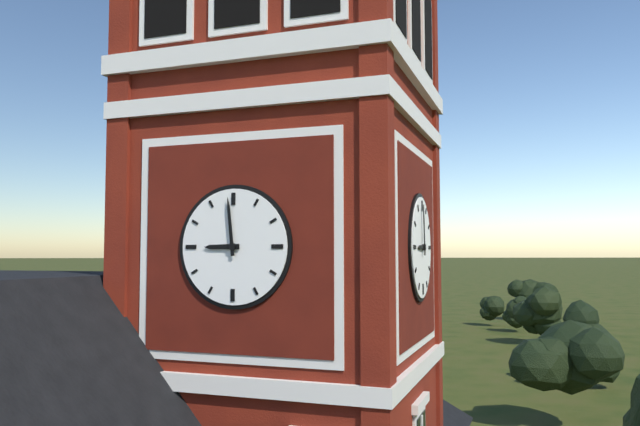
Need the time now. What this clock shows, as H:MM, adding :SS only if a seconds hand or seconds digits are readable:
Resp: 8:59
